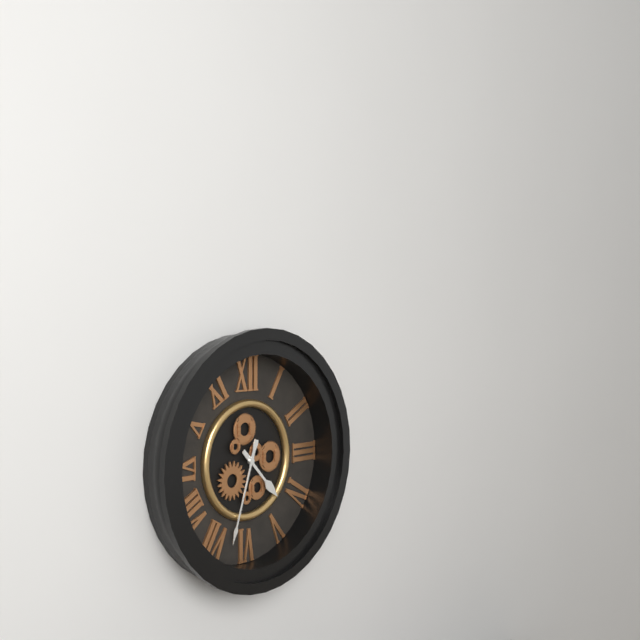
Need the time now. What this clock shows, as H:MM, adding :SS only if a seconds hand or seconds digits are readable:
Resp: 4:33
